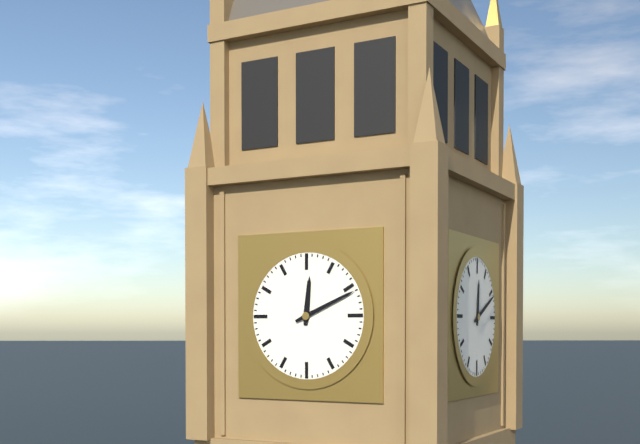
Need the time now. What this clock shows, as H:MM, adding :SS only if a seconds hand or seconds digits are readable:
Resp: 12:11
